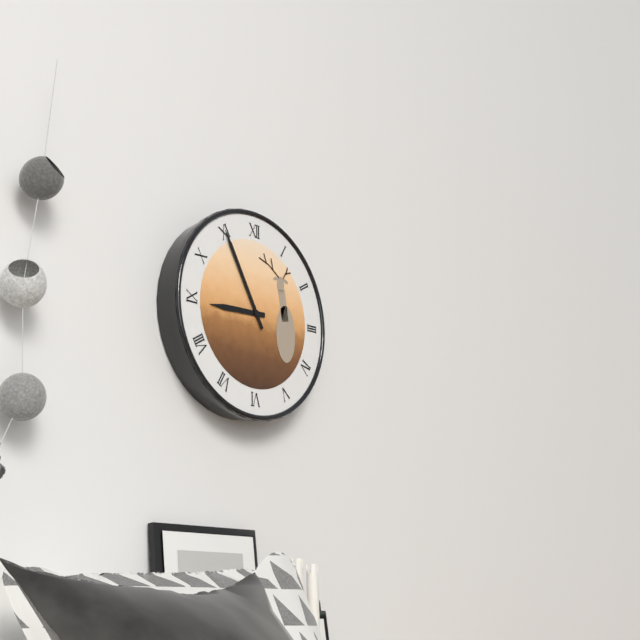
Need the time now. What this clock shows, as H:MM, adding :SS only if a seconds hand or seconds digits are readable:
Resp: 8:55
